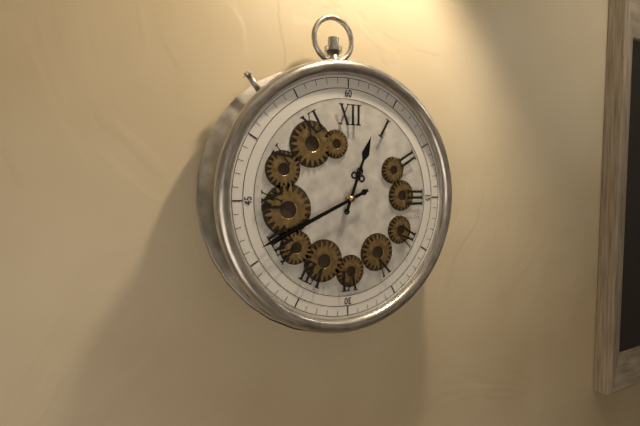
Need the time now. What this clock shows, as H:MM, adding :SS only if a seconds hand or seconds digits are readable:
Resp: 12:41
